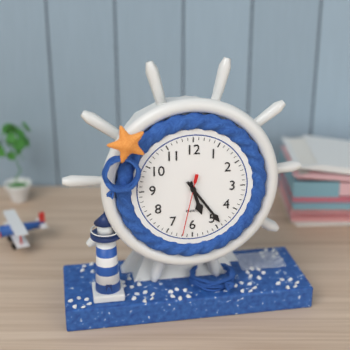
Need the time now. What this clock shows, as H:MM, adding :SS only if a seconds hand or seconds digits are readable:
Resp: 5:24:32
